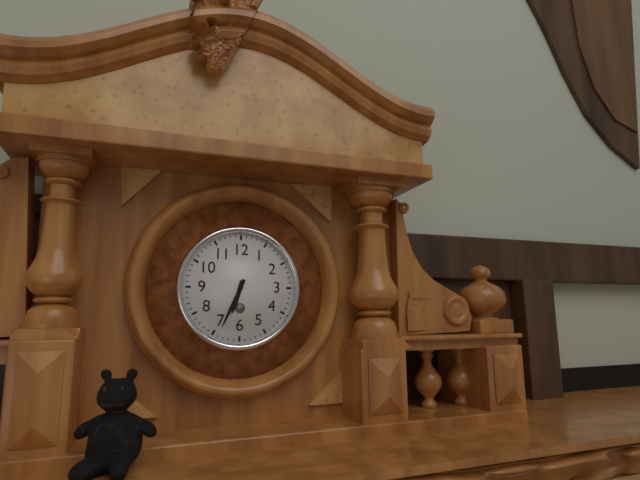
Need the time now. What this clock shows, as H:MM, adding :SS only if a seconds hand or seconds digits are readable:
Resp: 6:34
